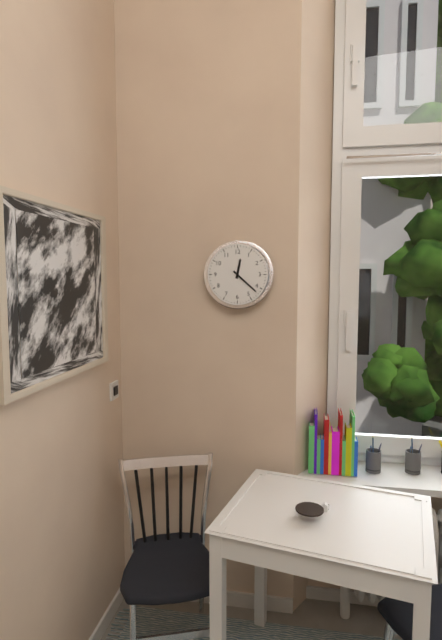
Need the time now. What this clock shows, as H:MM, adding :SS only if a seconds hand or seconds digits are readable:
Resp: 12:22
